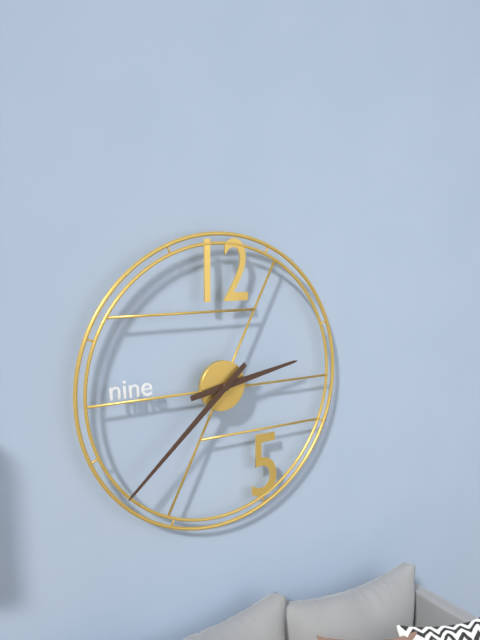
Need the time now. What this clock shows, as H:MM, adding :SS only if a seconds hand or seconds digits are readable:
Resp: 2:38
